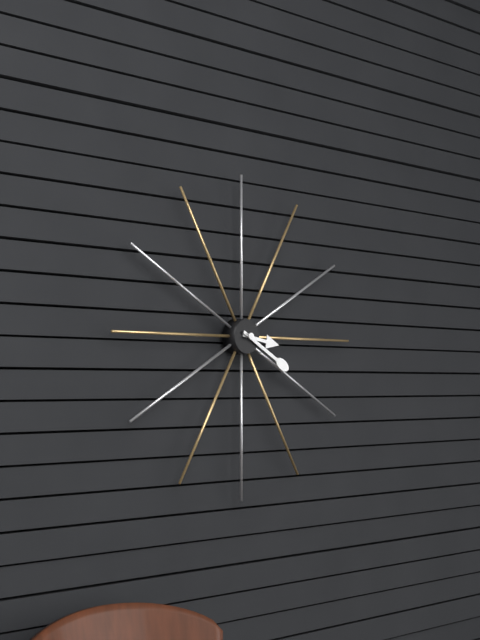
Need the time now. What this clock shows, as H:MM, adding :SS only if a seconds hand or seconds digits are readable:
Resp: 3:20
